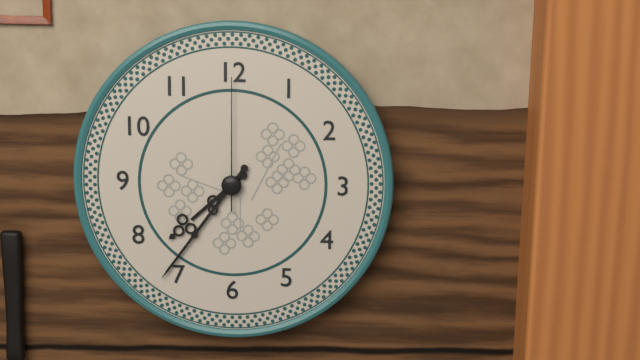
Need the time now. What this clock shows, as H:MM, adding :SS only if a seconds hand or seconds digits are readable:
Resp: 7:36:00
